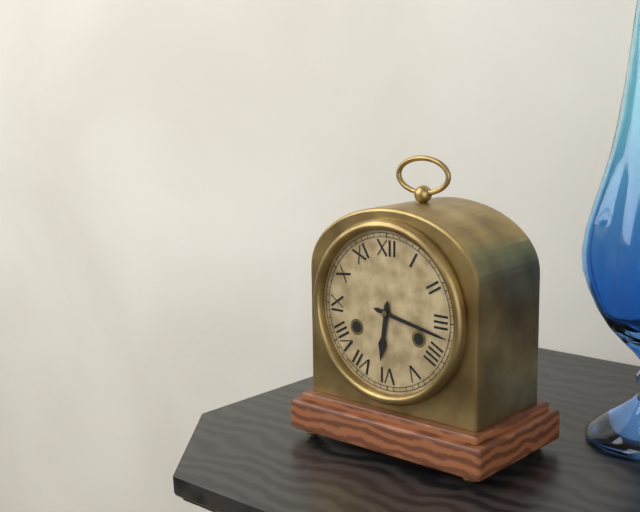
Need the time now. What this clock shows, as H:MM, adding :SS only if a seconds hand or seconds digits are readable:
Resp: 6:17
